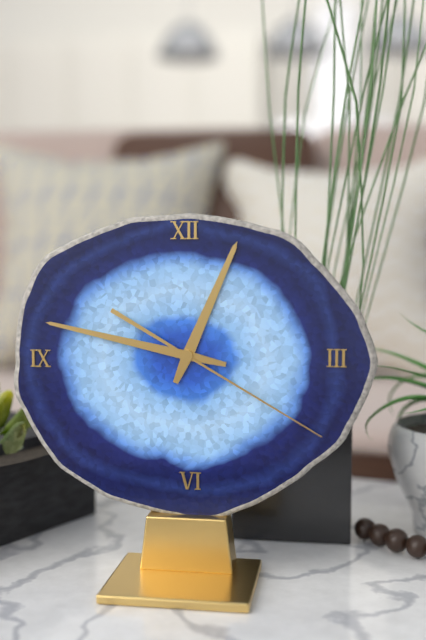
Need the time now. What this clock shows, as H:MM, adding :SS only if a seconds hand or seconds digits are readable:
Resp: 12:47:20
